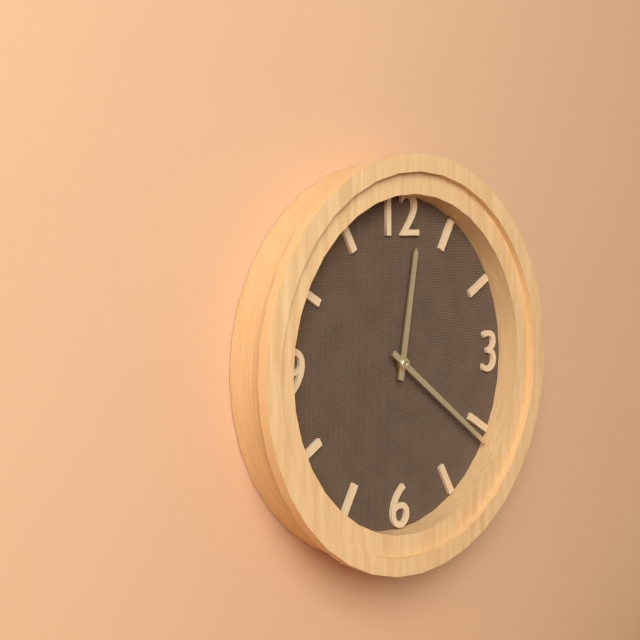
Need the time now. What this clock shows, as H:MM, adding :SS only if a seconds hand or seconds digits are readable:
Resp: 12:21
